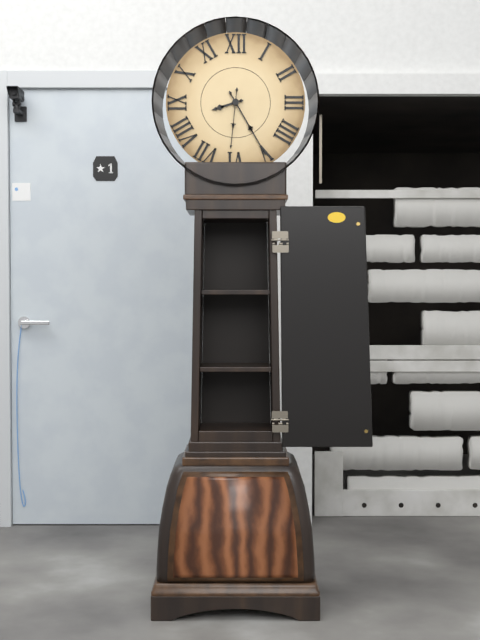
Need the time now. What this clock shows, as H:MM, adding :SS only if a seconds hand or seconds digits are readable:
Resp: 8:25:31
